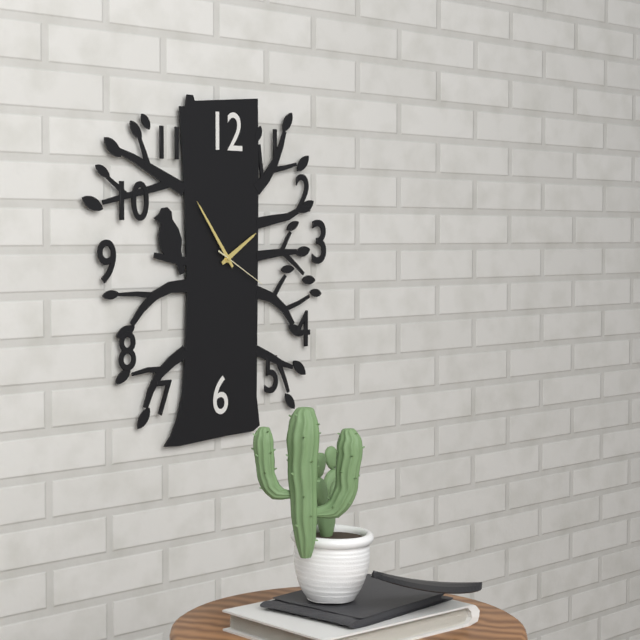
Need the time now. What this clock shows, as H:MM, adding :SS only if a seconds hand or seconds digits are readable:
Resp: 1:54:20
